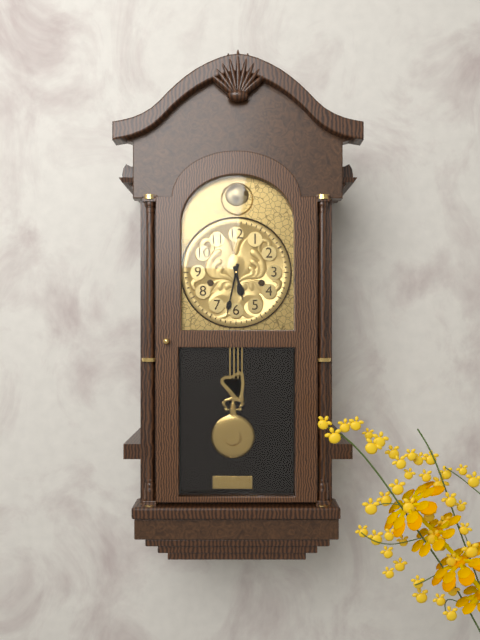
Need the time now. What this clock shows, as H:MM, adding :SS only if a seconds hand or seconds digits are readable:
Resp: 5:32
